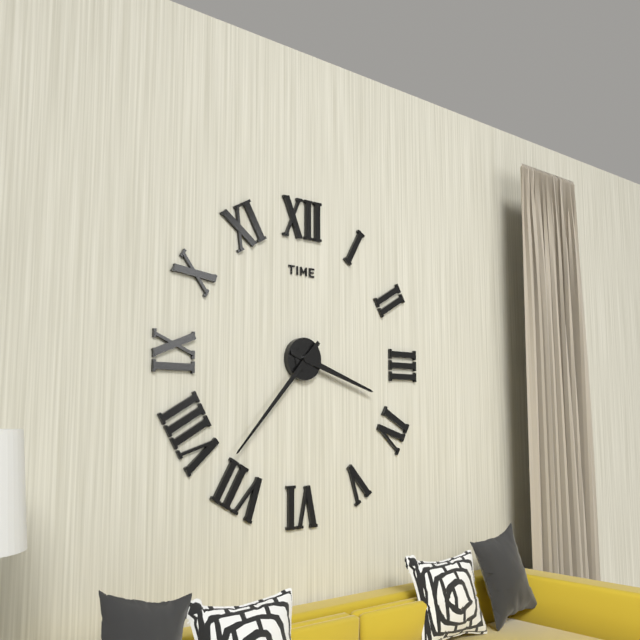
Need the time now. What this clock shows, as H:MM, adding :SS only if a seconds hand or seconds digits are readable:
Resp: 3:37
